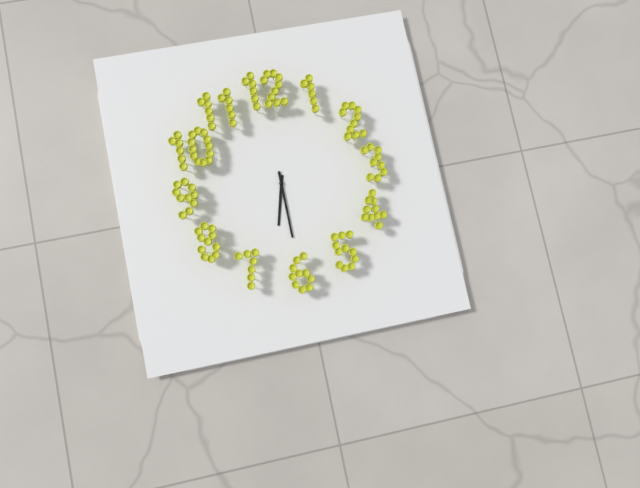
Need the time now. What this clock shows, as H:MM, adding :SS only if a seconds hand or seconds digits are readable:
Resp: 6:30
